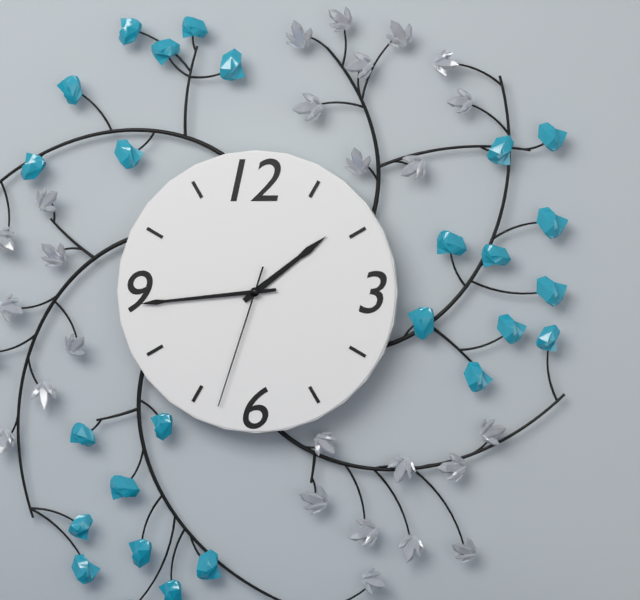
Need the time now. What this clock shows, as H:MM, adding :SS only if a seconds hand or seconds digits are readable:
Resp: 1:44:33
